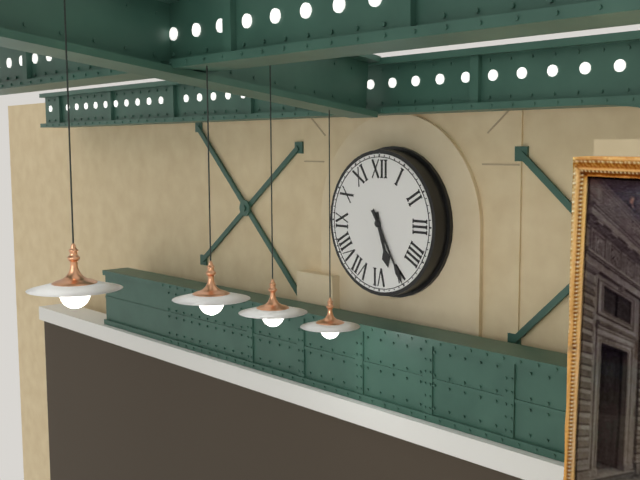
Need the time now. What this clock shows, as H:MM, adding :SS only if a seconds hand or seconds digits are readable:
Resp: 5:25
